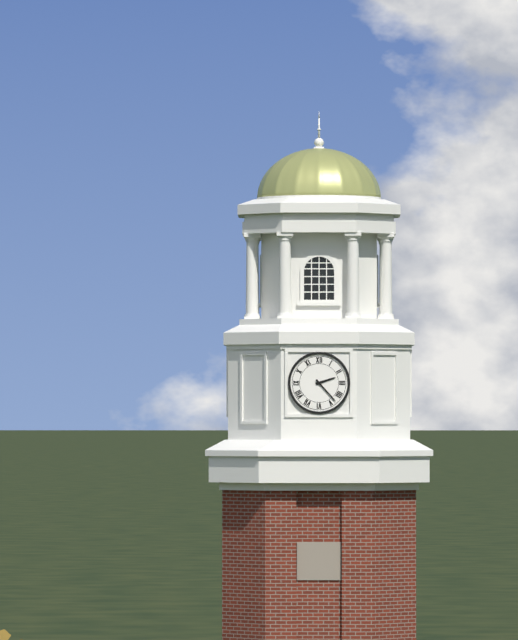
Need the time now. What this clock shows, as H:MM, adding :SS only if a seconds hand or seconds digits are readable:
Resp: 2:23
